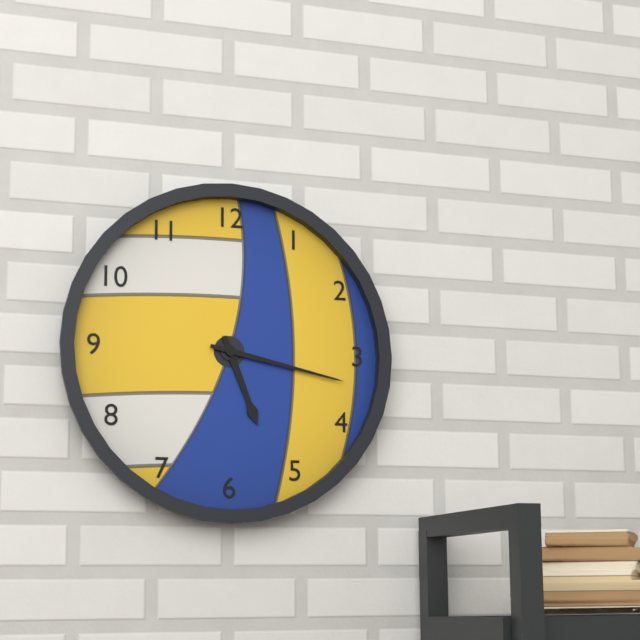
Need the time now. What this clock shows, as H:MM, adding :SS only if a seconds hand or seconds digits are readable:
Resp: 5:17
